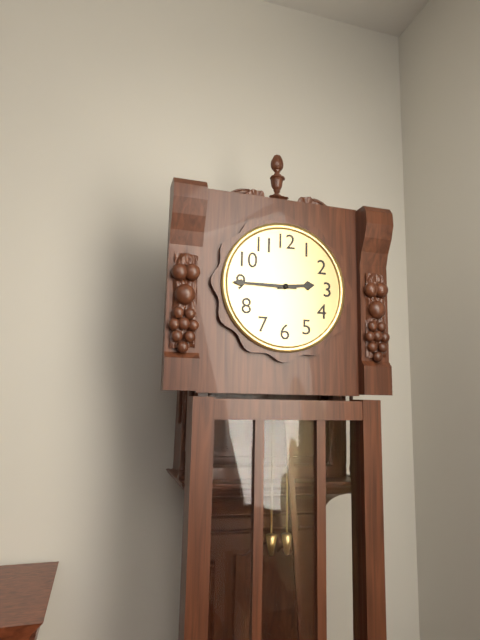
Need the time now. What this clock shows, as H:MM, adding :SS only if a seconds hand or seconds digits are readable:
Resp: 2:45
